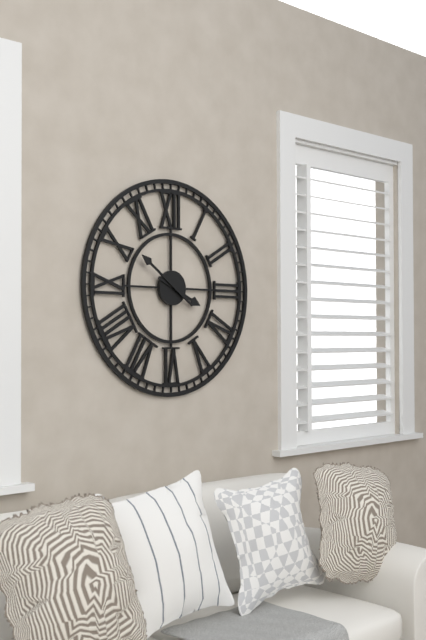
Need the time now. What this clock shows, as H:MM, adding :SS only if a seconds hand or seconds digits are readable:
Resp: 3:51
